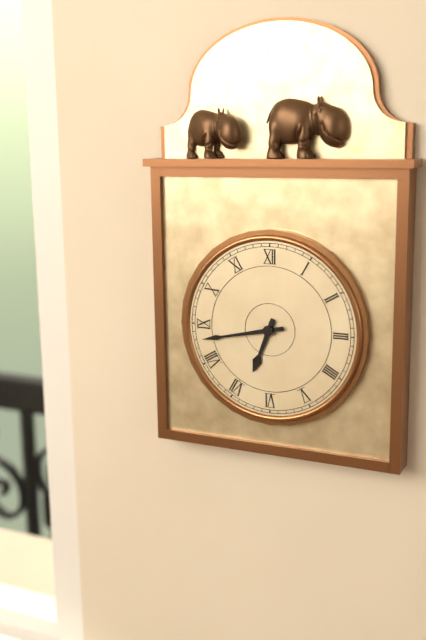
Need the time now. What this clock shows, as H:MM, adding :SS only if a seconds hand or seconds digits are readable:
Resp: 6:43
